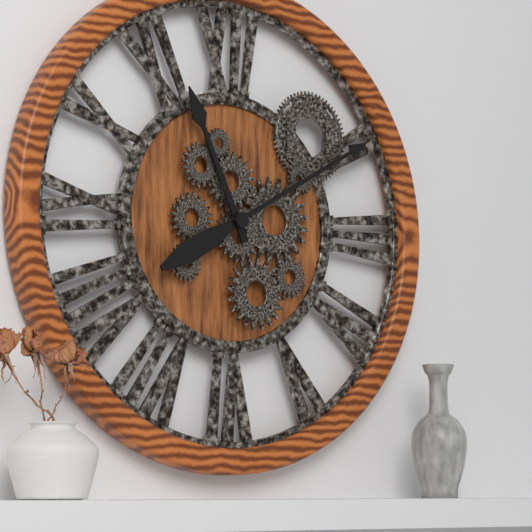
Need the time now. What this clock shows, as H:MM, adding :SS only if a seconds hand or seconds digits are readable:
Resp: 11:10
